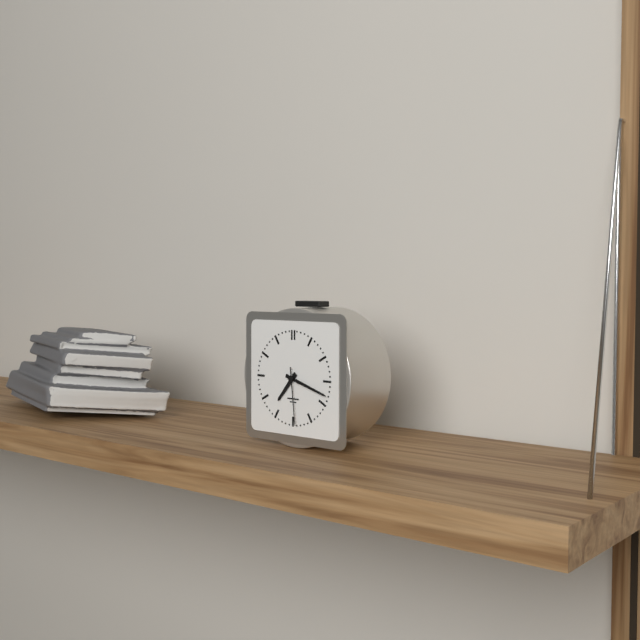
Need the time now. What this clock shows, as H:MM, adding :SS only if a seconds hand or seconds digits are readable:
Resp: 7:18:29
